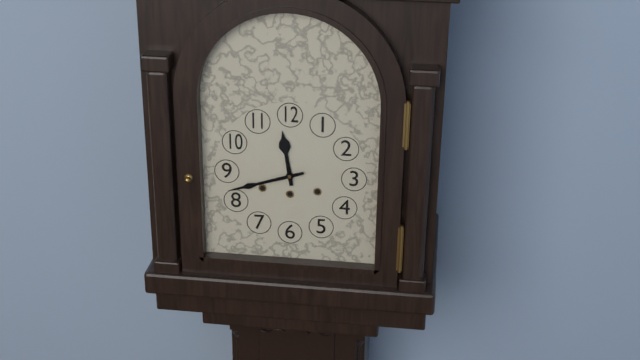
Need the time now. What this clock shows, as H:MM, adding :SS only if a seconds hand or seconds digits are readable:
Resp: 11:42
